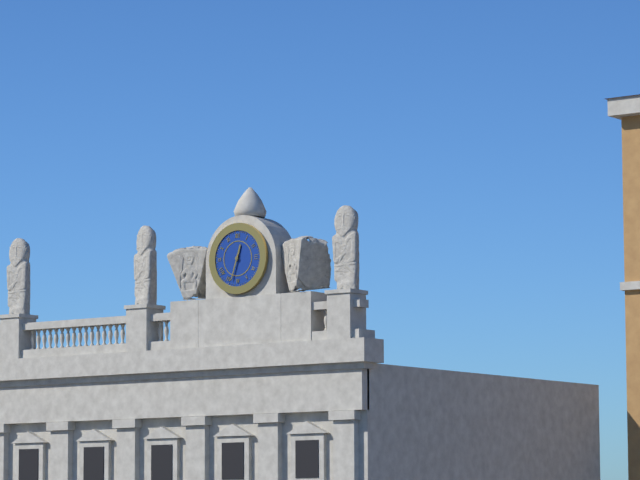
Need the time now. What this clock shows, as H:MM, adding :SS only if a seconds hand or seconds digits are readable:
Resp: 12:33
